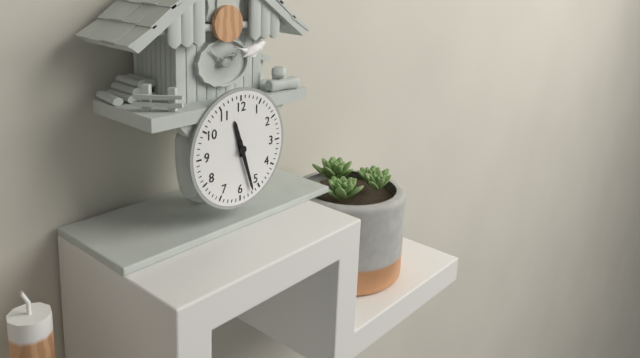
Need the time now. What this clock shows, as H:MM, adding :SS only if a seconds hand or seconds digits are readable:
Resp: 11:27
